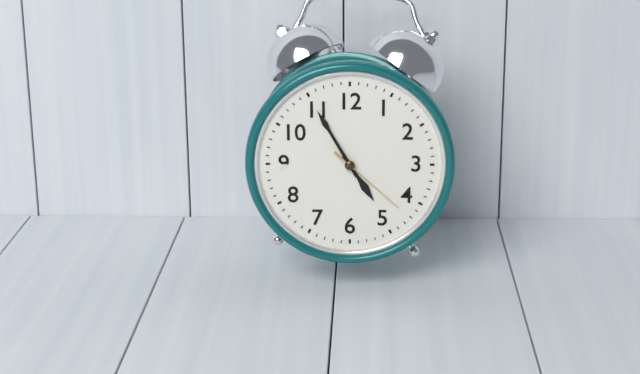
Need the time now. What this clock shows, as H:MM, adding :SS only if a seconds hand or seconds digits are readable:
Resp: 4:55:22
